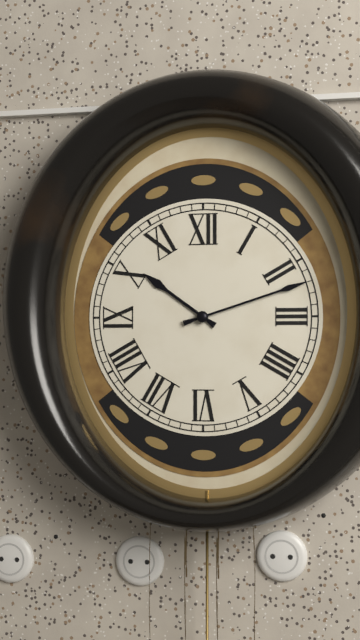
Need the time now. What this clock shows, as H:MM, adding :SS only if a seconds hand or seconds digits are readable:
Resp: 10:12
